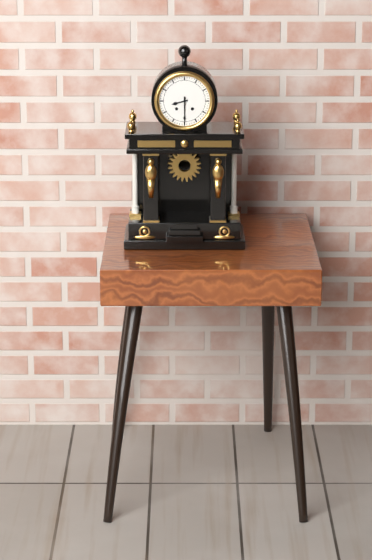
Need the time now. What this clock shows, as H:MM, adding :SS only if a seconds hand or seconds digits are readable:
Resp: 8:30
